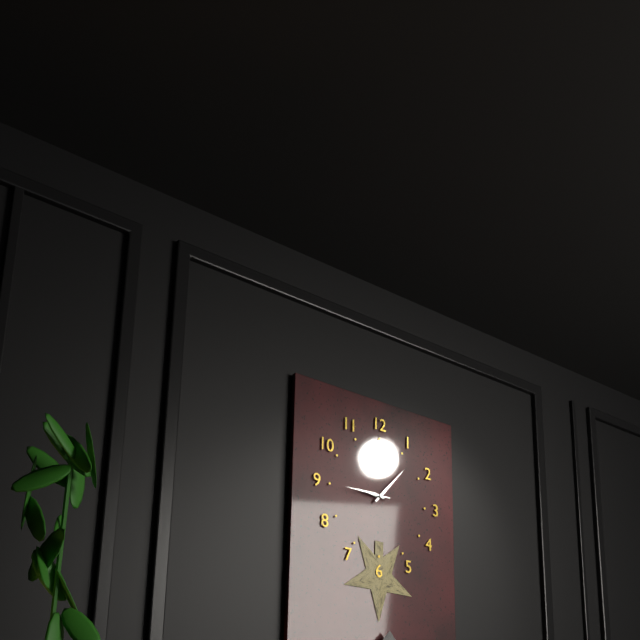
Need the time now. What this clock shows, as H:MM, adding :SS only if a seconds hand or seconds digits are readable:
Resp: 9:07
